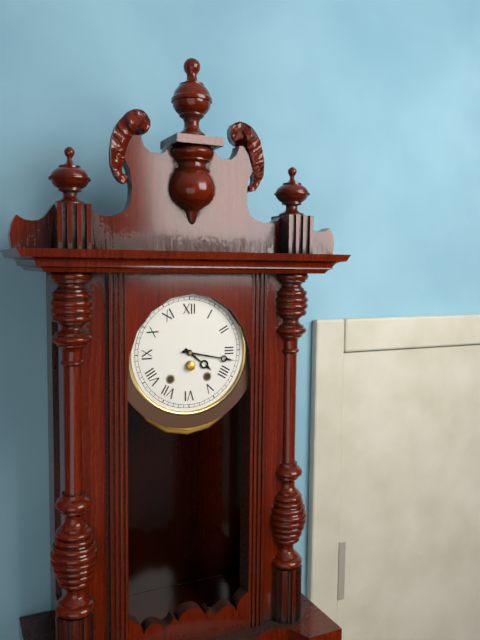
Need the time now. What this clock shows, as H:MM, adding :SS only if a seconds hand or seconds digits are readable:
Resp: 4:17
